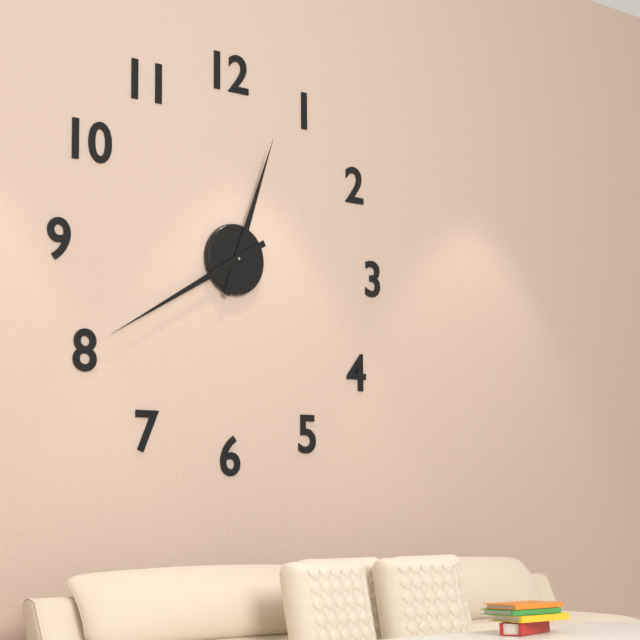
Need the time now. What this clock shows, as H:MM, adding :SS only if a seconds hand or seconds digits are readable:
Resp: 12:40
